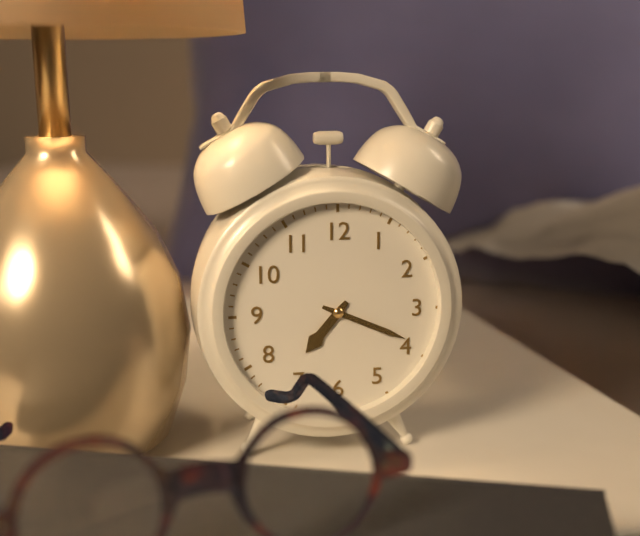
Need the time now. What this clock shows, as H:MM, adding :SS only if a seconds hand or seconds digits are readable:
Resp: 7:19
